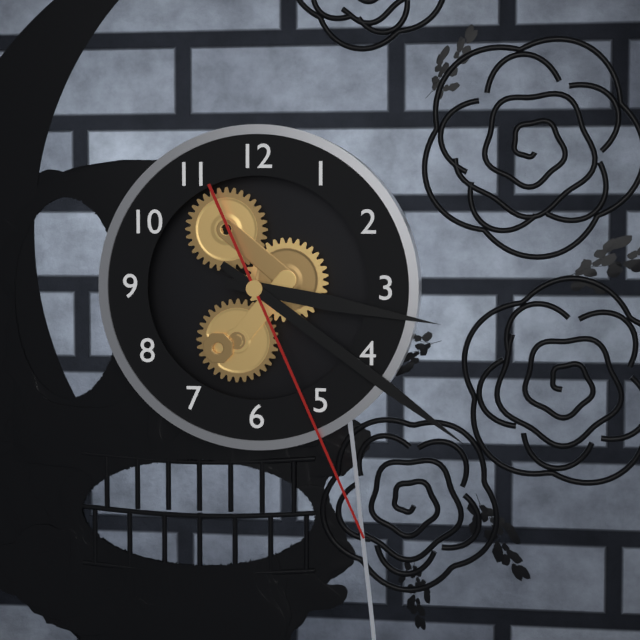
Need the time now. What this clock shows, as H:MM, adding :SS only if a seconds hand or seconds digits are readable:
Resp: 3:21:26
